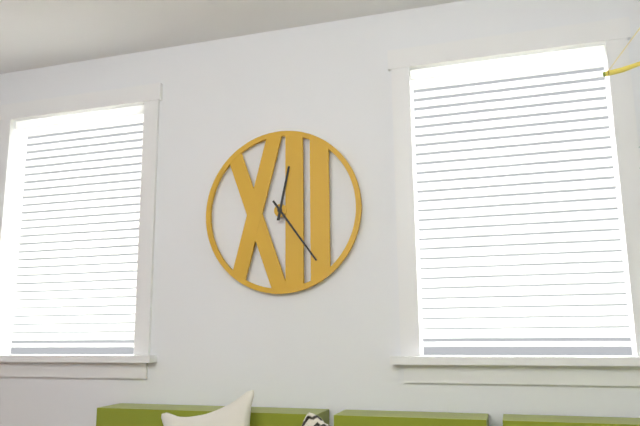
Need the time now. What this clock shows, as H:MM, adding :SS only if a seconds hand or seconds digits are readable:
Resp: 12:24
